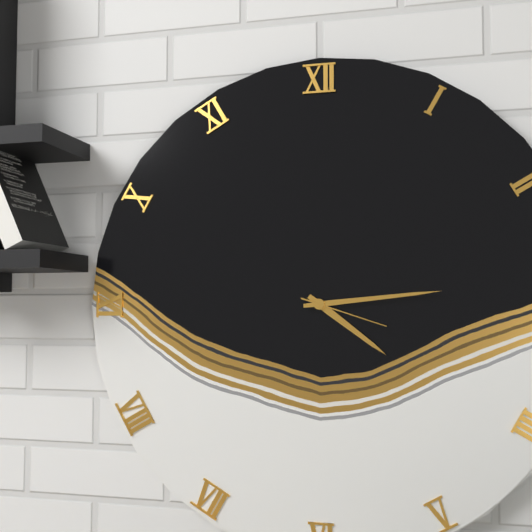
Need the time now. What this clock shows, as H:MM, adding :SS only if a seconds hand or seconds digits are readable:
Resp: 4:14:18
